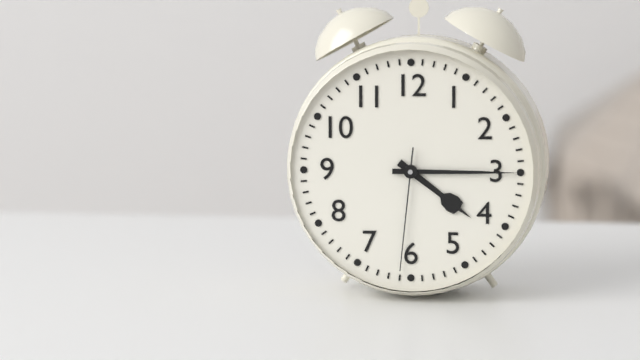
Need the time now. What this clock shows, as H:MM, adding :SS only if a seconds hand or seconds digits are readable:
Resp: 4:15:31
